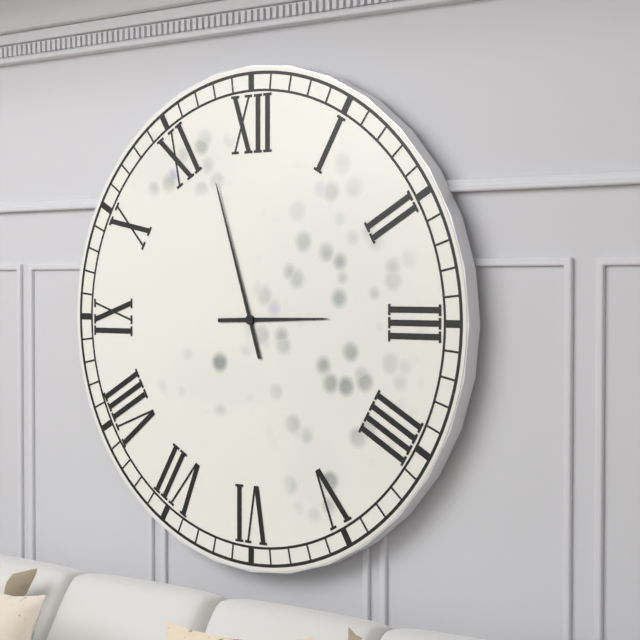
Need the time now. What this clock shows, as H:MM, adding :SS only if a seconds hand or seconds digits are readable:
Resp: 2:57
